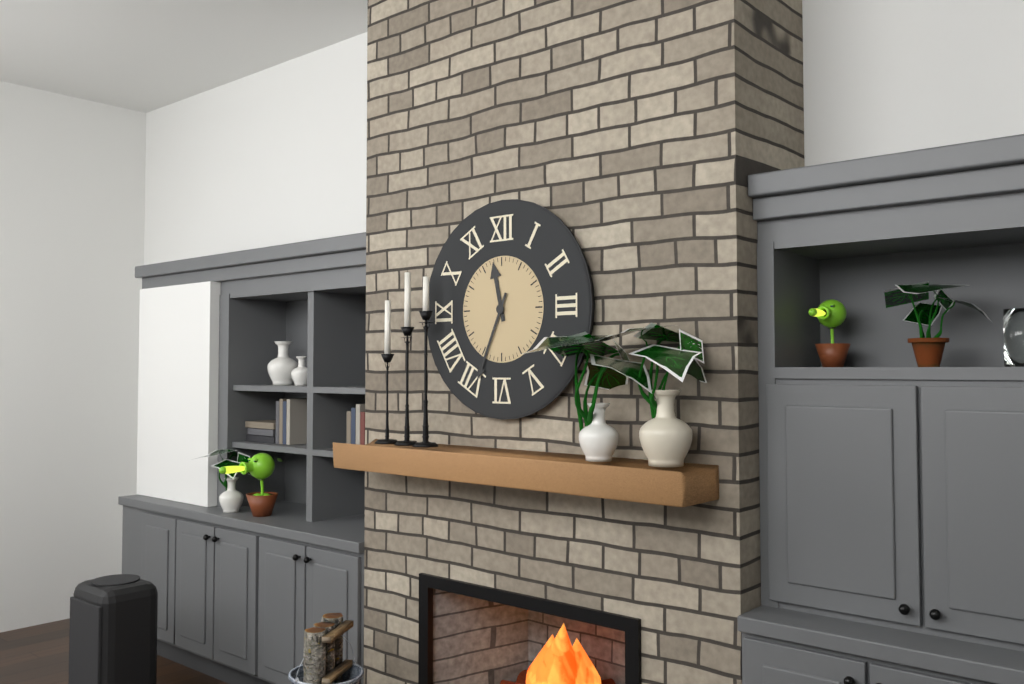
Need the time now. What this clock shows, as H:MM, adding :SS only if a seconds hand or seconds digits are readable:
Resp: 11:34
